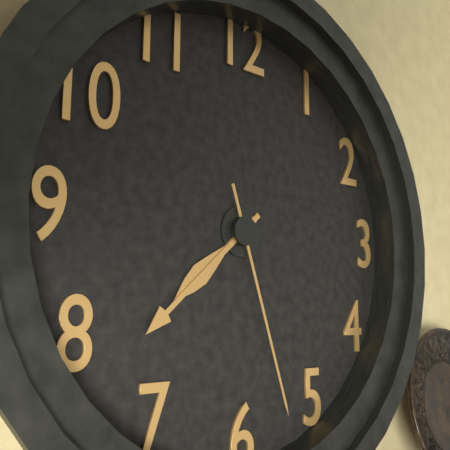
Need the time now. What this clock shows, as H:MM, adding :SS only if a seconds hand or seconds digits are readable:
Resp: 7:38:27
